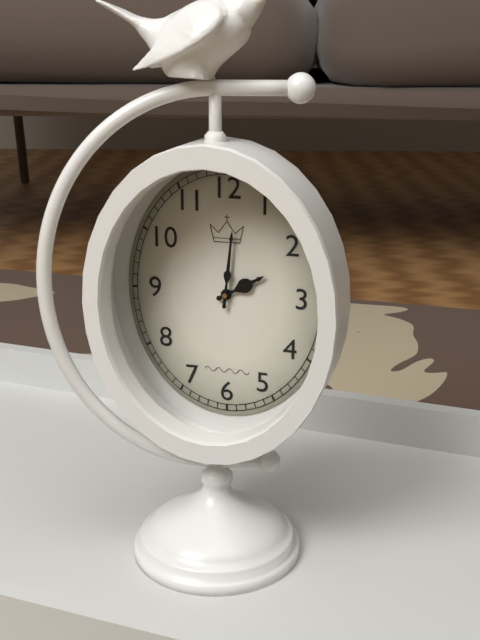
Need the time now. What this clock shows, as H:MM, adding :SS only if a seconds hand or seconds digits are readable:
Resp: 2:01
